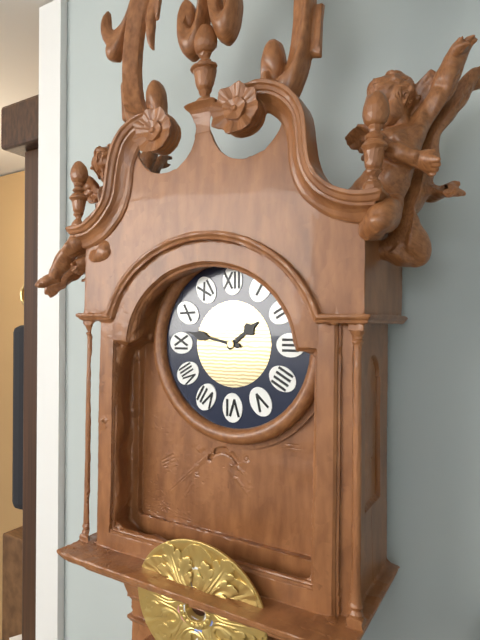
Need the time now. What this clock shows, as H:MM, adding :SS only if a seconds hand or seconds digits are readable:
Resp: 1:47
